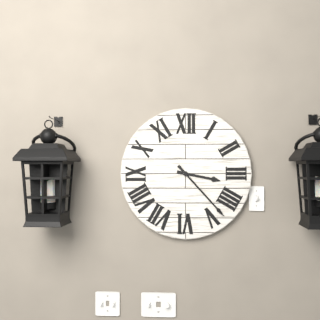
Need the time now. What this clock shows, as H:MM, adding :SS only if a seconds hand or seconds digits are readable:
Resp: 3:23
